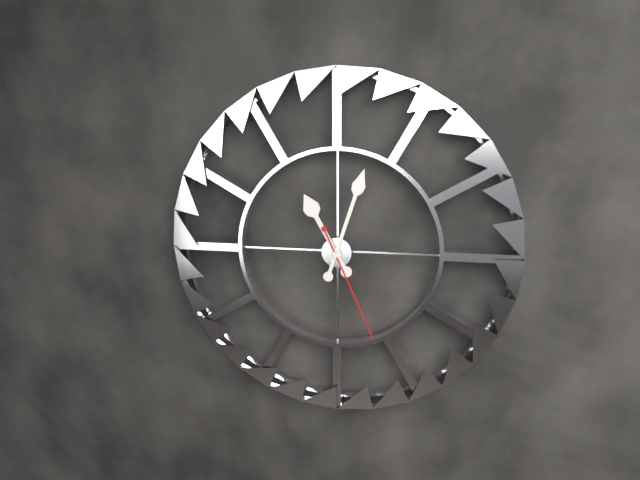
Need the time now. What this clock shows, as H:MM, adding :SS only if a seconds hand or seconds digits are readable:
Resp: 11:03:26
